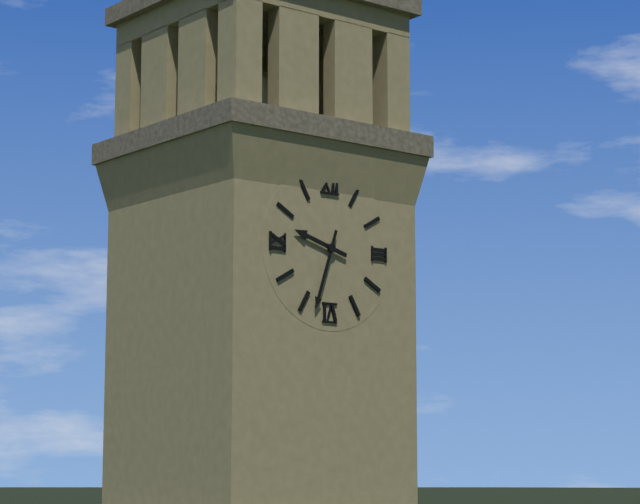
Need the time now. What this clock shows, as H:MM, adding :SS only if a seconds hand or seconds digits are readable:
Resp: 9:33
